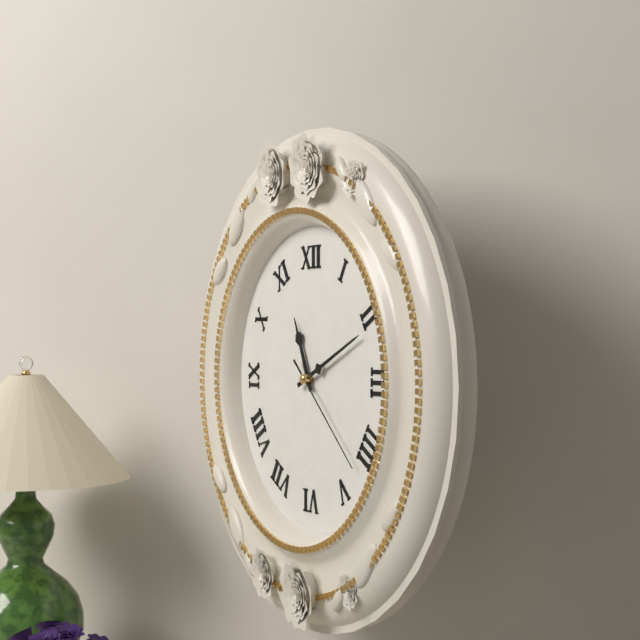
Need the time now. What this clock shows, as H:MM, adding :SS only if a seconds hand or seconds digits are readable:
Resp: 11:11:22
